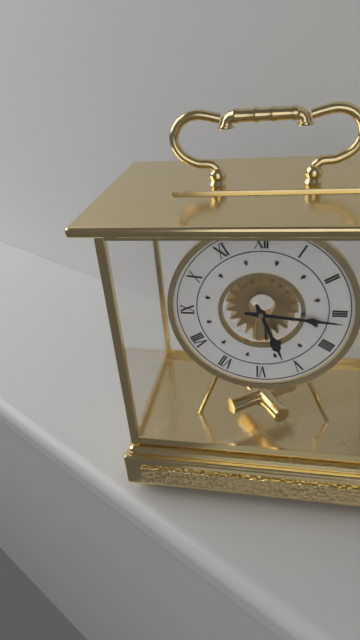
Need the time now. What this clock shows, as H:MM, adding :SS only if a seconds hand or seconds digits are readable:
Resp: 5:16
